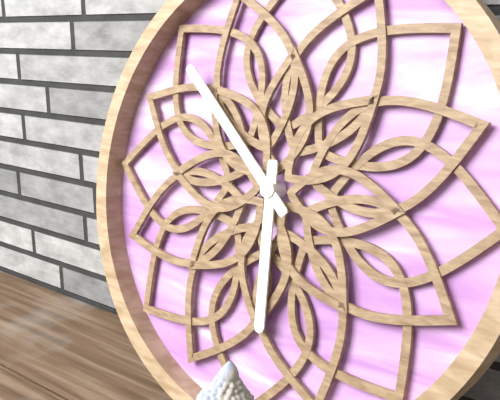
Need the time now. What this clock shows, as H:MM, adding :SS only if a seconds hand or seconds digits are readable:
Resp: 5:52
